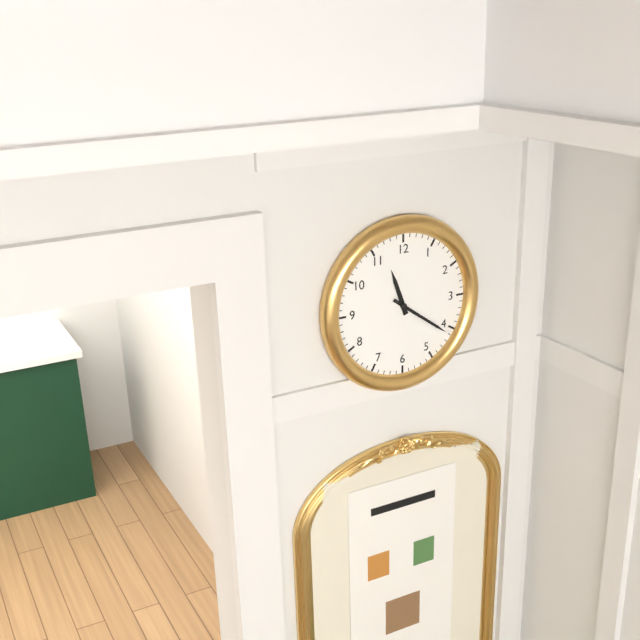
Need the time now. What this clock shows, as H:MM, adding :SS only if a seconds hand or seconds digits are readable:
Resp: 11:21
